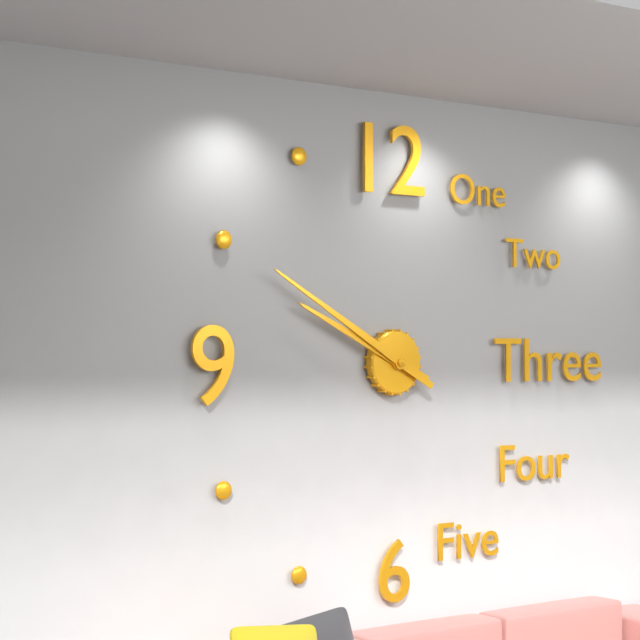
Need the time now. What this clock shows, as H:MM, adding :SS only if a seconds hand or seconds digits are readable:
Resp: 9:50
